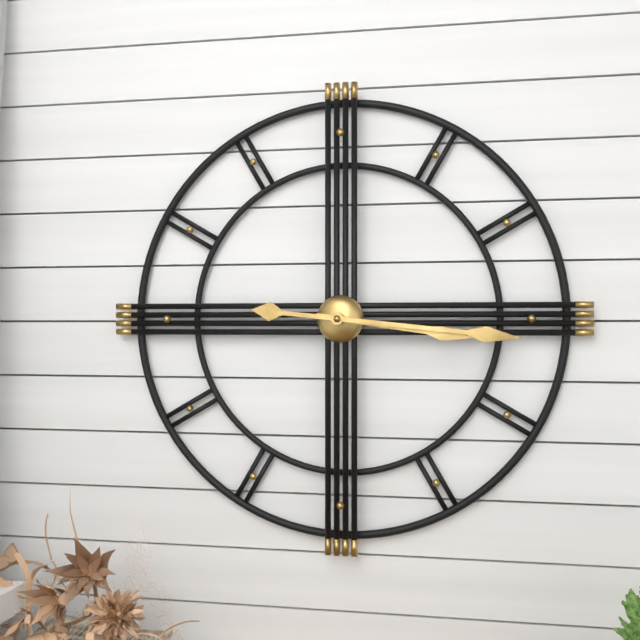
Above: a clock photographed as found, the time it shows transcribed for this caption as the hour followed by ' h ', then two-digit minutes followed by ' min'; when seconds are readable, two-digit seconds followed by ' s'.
3 h 16 min
